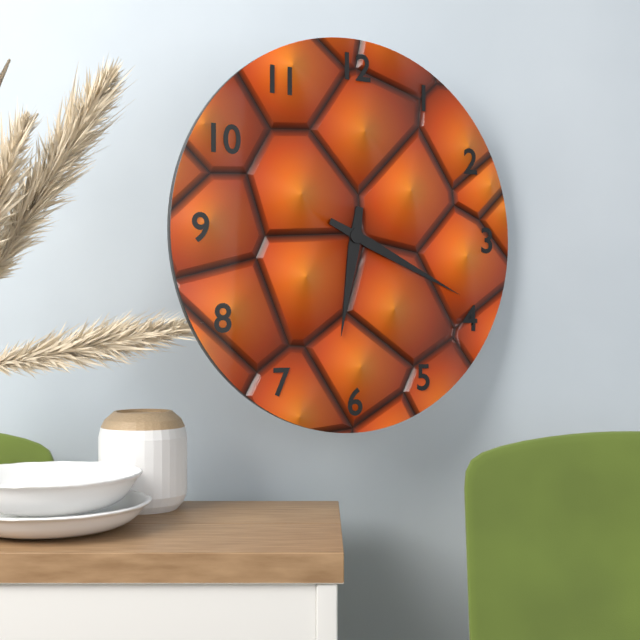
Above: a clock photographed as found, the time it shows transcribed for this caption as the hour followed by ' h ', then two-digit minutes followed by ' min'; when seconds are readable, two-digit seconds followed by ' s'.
6 h 19 min
